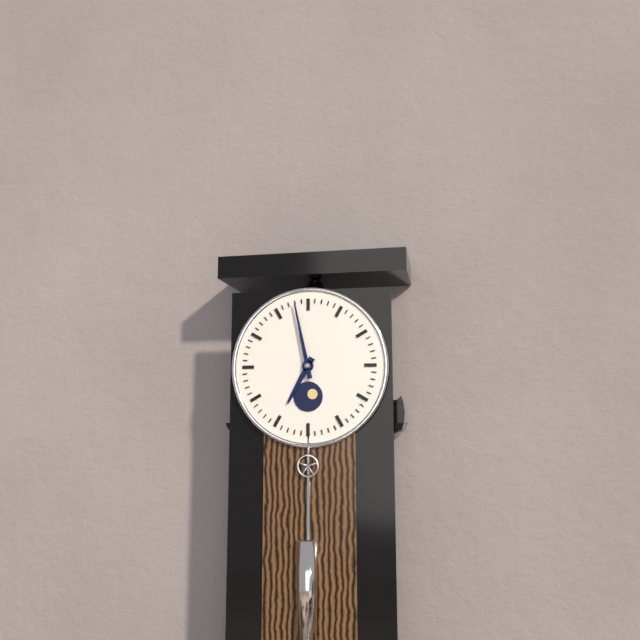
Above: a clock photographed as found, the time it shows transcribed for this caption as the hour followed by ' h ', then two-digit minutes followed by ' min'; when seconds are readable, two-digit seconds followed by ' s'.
6 h 58 min
